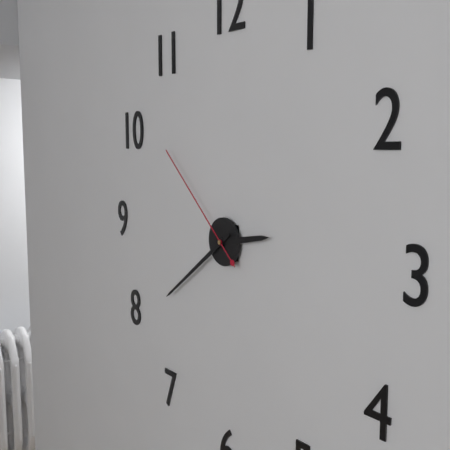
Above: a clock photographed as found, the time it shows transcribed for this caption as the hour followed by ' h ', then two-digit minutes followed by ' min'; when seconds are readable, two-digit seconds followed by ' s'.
2 h 39 min 52 s
